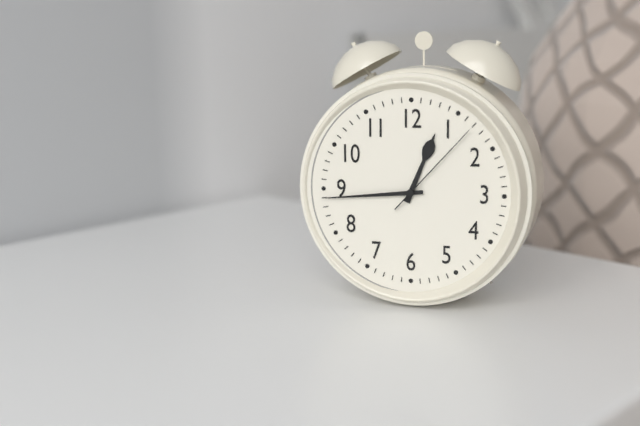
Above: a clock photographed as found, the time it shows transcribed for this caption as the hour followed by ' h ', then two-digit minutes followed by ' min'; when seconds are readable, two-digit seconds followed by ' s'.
12 h 44 min 07 s
